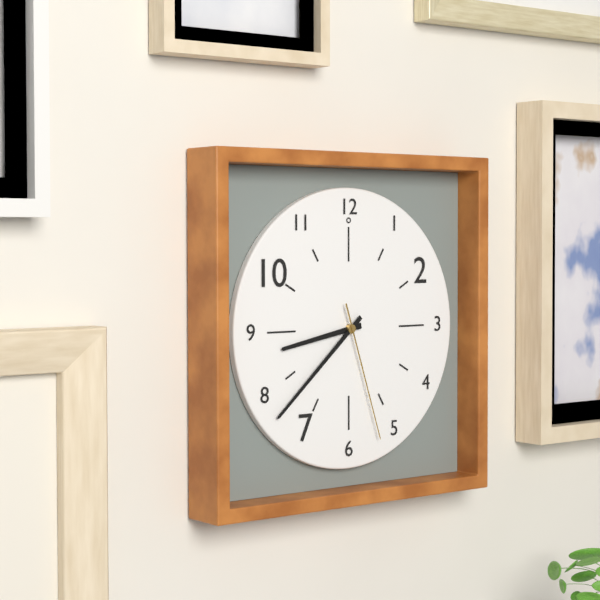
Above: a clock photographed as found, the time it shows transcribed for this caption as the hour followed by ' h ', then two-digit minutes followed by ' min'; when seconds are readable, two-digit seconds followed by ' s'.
8 h 38 min 27 s
